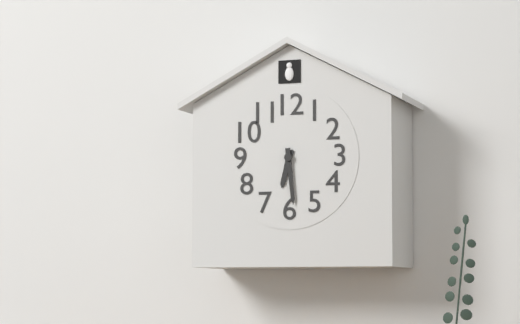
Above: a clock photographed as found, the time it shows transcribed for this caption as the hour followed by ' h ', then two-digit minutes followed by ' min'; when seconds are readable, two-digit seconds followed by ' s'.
6 h 29 min
